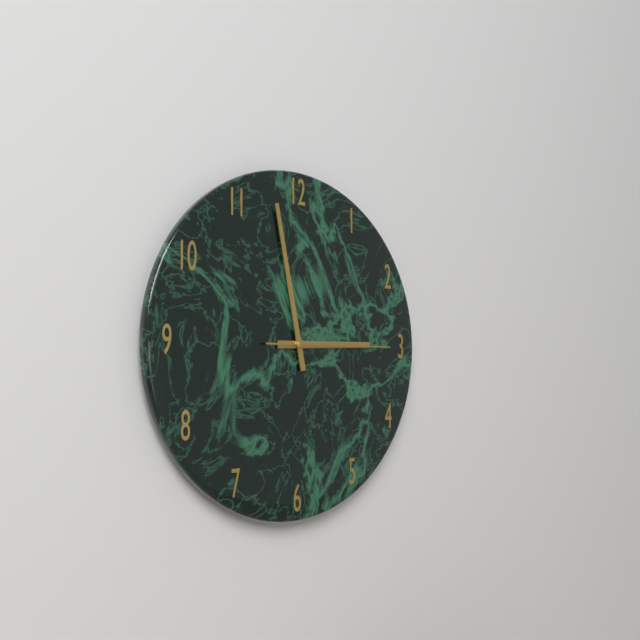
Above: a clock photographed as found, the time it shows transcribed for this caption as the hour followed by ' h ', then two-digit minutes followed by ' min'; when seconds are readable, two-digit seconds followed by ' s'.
2 h 58 min 15 s
